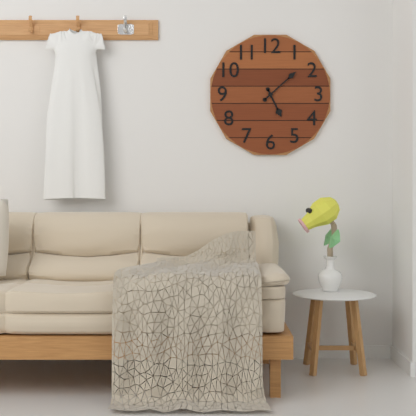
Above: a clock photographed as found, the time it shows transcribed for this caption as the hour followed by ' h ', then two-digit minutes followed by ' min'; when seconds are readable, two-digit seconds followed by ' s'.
5 h 08 min
